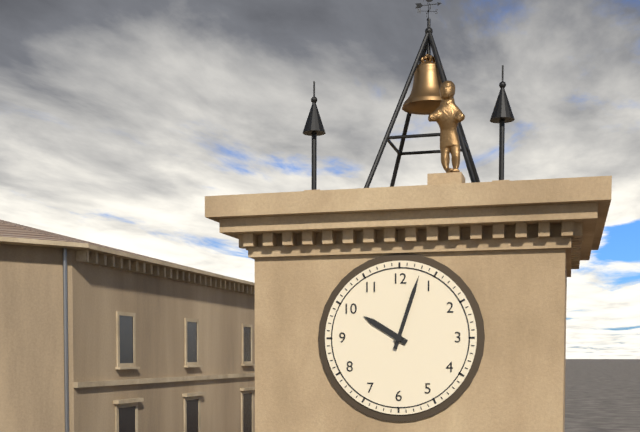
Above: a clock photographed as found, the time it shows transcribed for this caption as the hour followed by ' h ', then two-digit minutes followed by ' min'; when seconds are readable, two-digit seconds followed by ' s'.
10 h 03 min
